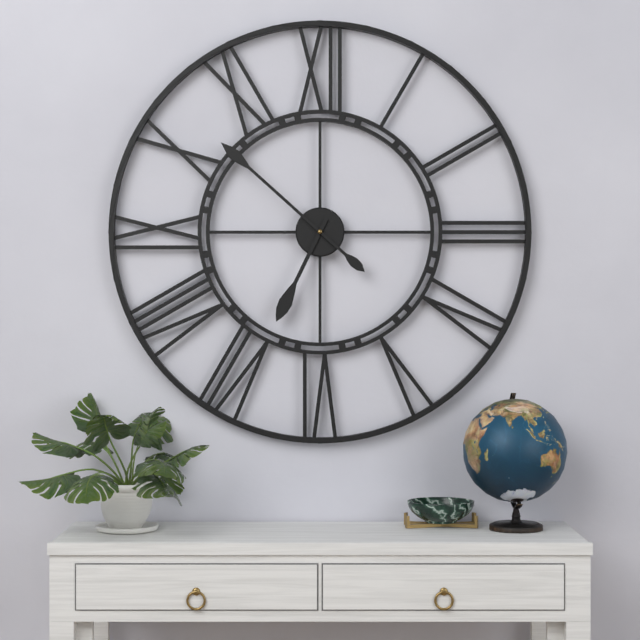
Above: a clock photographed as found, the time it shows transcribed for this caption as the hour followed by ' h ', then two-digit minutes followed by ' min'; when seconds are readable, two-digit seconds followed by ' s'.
6 h 52 min
